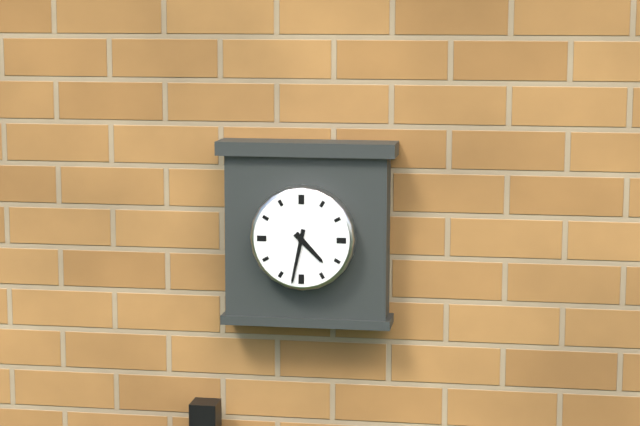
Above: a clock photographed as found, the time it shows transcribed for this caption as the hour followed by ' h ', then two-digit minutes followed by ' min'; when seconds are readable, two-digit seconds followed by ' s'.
4 h 32 min
